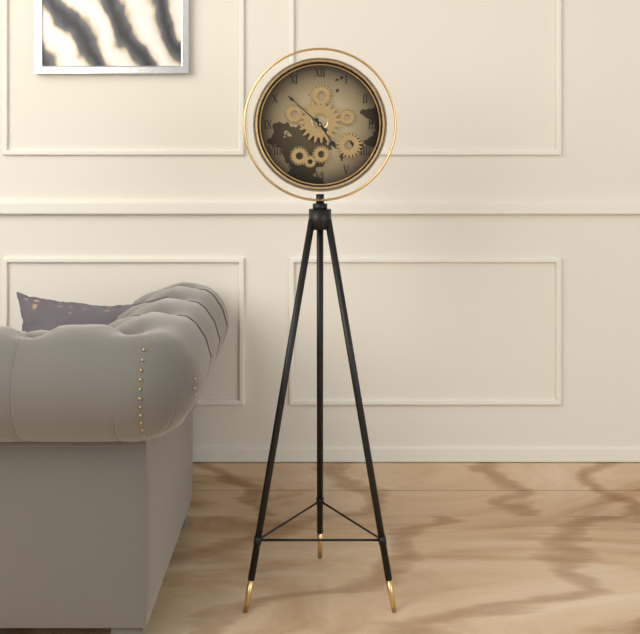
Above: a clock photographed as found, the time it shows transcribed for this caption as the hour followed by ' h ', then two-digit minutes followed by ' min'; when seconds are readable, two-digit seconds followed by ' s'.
4 h 52 min
